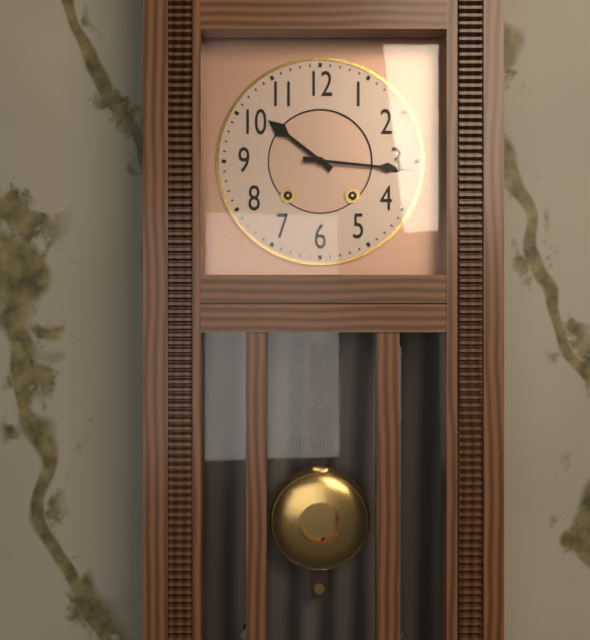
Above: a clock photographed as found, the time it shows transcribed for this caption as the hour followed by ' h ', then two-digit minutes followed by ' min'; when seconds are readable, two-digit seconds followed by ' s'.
10 h 16 min
